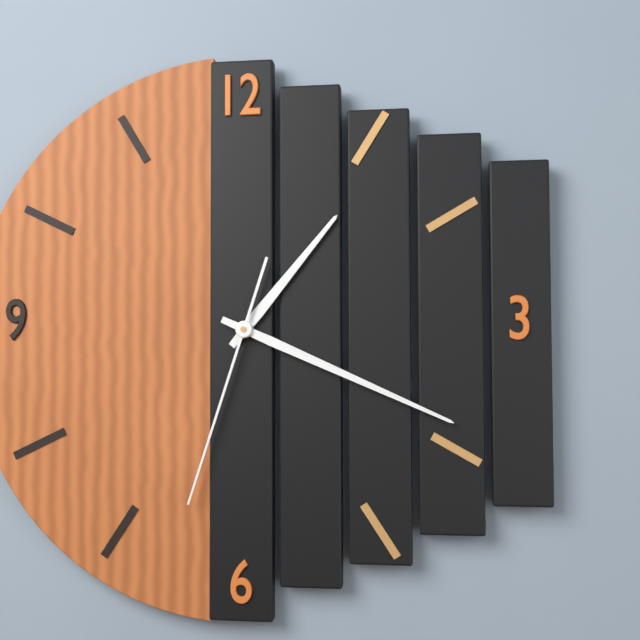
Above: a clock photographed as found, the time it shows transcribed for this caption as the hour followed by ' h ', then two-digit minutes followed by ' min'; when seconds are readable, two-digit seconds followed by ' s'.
1 h 19 min 33 s
